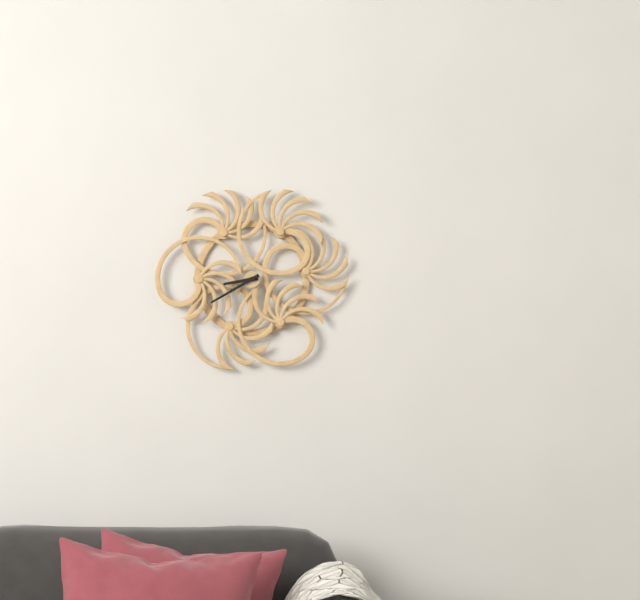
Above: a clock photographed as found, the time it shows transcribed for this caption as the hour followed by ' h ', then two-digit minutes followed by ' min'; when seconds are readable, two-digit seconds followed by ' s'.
8 h 40 min
